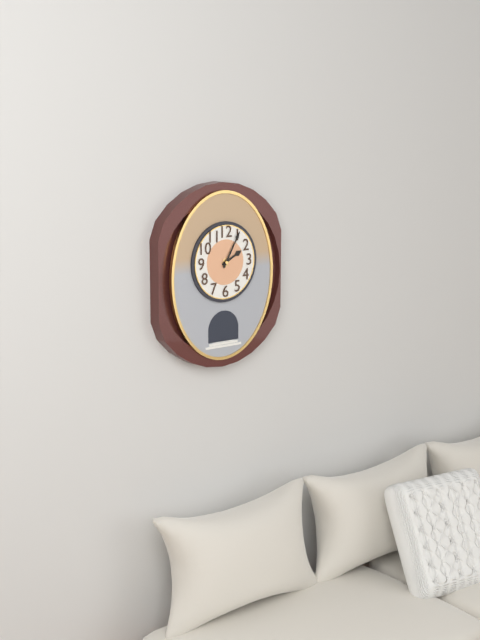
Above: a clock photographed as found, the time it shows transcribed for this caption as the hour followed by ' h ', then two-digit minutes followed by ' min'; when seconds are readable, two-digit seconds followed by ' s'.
2 h 05 min
